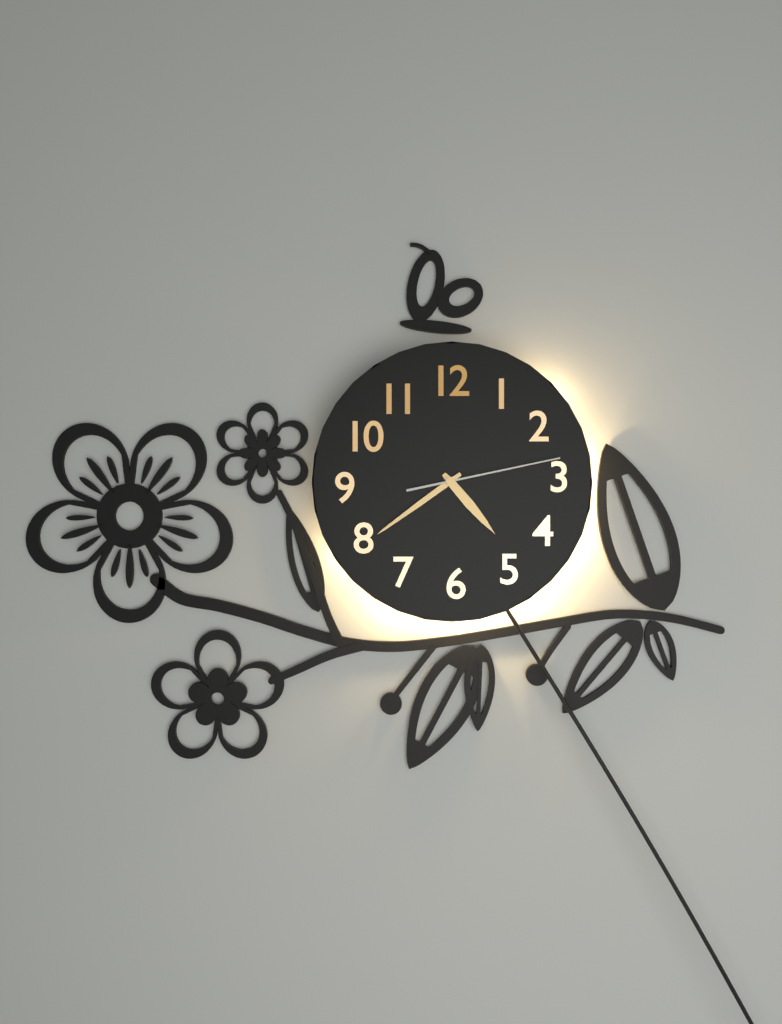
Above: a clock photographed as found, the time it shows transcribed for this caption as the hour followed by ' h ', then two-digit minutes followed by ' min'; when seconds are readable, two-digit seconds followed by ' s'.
4 h 39 min 13 s
